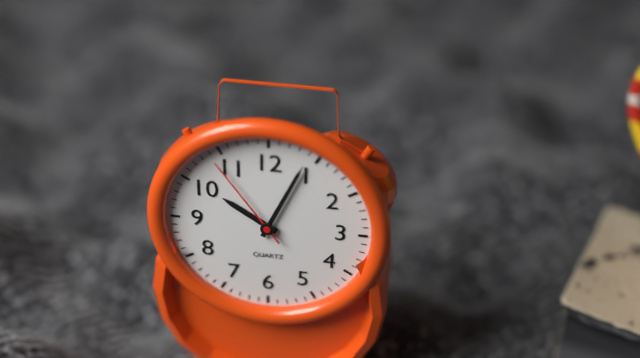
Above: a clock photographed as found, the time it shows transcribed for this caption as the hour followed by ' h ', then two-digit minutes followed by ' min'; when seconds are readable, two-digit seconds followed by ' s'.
10 h 04 min 54 s
